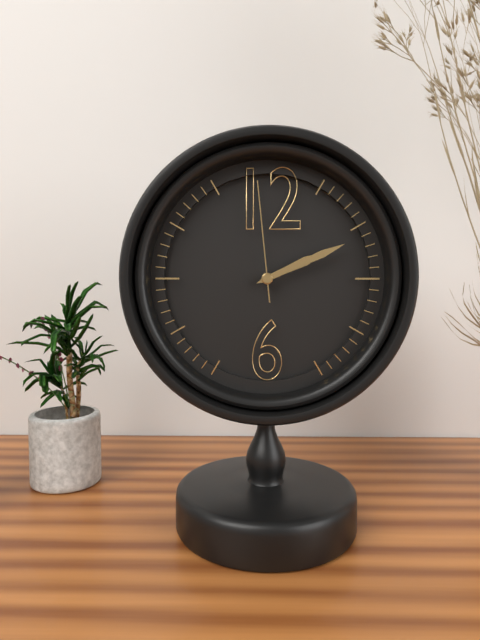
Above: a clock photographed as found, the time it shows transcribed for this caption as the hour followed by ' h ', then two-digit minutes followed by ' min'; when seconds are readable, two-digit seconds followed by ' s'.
2 h 11 min 59 s
